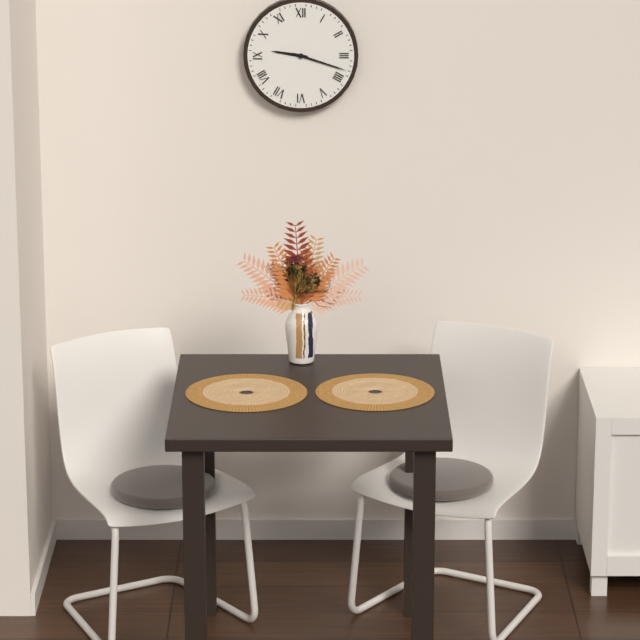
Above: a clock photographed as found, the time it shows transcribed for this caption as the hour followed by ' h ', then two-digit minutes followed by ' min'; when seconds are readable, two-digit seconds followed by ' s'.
9 h 18 min
